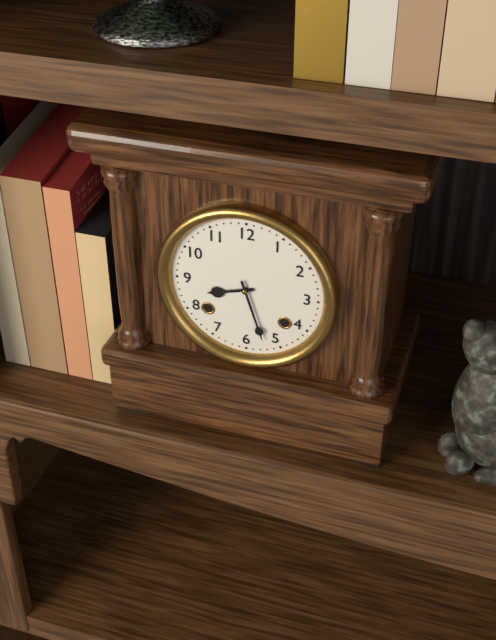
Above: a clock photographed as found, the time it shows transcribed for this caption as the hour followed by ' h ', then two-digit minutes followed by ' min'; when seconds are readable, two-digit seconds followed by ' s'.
8 h 27 min
